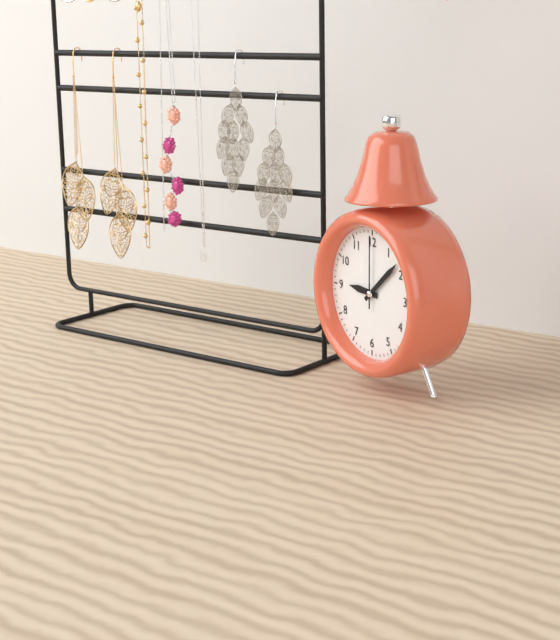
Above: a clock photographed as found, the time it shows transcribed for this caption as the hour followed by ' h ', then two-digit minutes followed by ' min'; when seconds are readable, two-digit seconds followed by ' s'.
9 h 08 min 00 s
